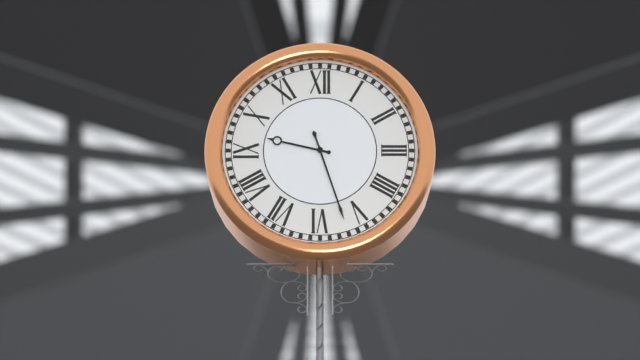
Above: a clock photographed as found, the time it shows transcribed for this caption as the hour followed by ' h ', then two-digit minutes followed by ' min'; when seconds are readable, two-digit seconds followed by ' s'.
9 h 27 min
